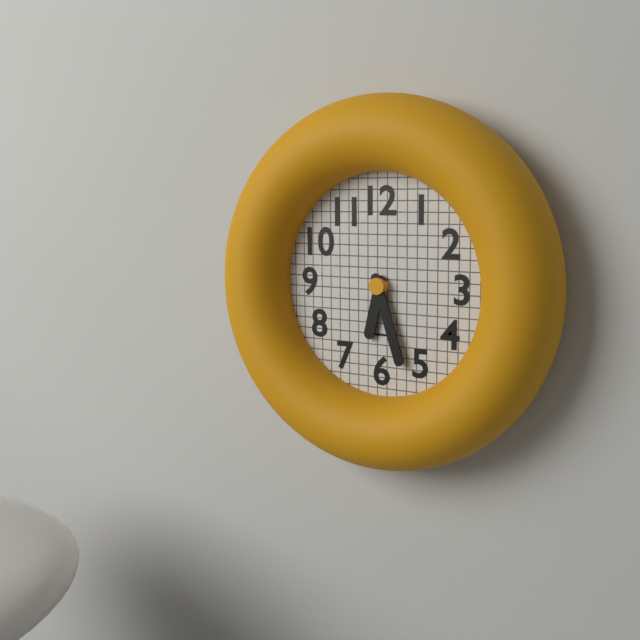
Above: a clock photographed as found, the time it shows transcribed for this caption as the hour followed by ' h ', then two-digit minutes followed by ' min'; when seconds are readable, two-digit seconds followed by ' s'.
6 h 27 min
